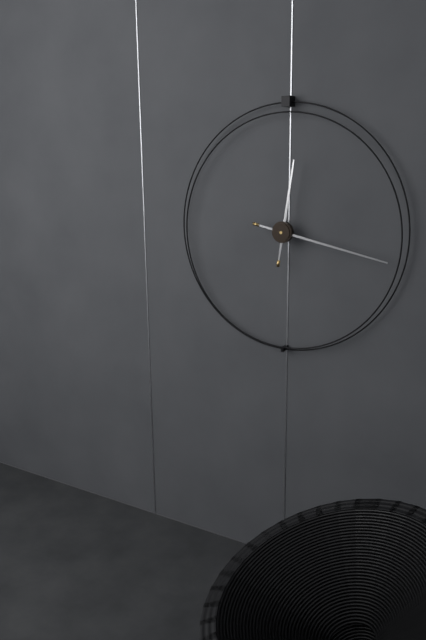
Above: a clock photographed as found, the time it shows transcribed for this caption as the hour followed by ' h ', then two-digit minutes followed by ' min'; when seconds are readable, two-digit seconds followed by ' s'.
12 h 17 min
